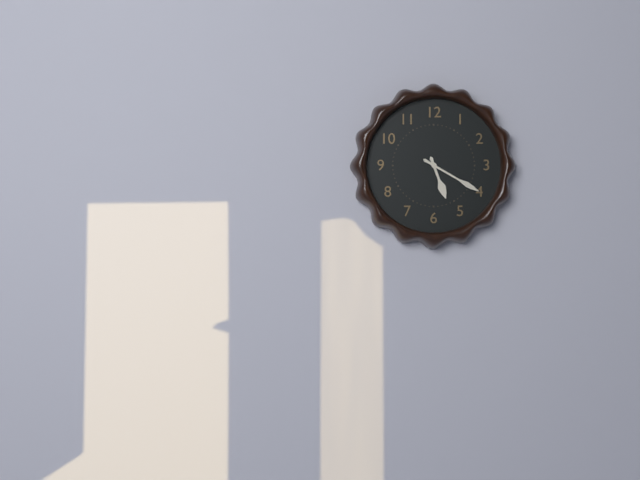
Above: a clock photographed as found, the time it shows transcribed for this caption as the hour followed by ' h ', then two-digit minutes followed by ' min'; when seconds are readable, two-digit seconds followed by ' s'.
5 h 20 min
